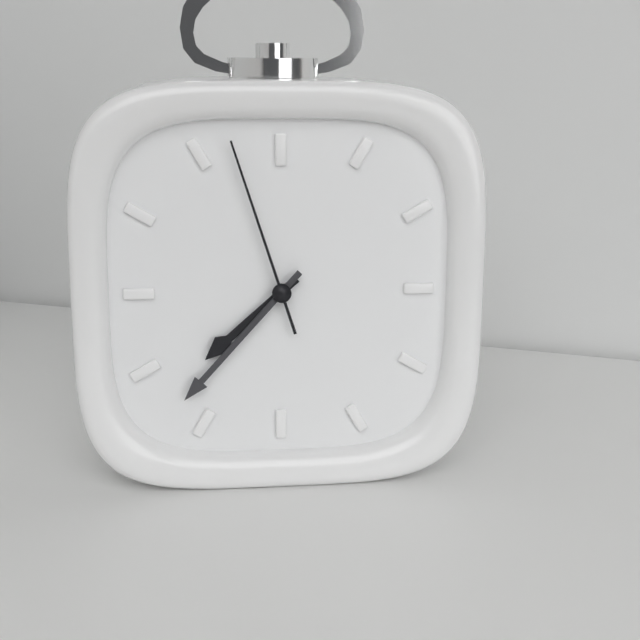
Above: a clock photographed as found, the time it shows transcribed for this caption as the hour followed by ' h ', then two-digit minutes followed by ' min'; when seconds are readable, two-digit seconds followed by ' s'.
7 h 37 min 57 s
